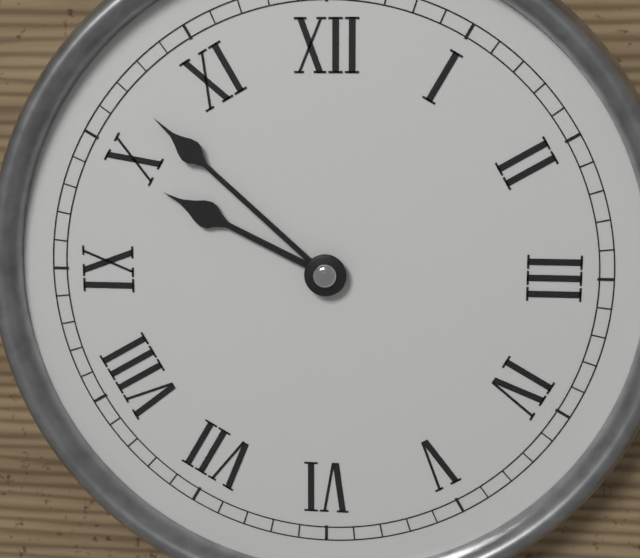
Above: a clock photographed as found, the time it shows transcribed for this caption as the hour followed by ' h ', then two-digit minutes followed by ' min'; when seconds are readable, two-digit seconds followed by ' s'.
9 h 52 min
